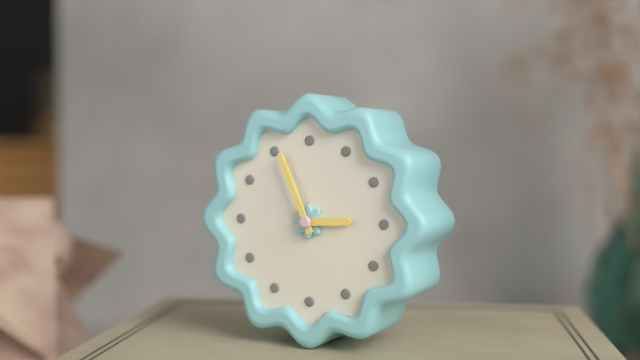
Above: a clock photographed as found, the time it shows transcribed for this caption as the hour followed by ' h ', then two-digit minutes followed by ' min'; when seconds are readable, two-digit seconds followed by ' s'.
2 h 56 min
